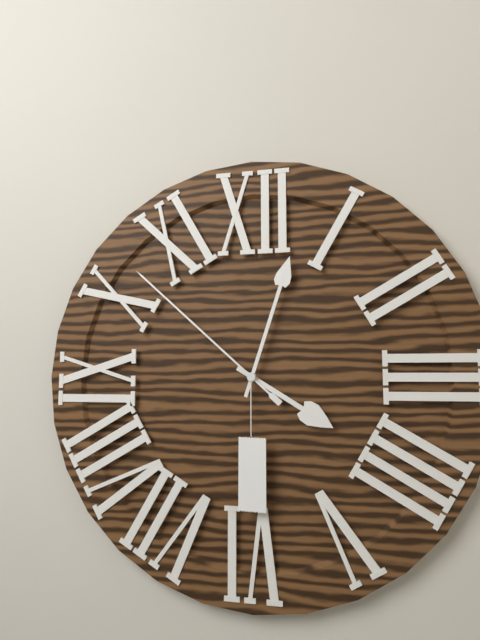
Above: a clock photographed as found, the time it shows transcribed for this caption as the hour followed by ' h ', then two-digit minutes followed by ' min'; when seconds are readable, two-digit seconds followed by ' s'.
4 h 03 min 52 s
